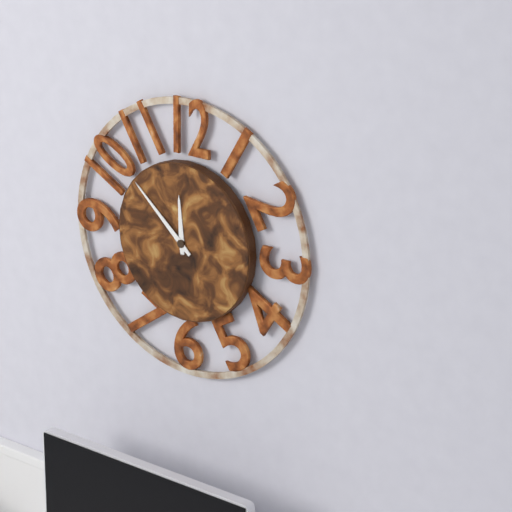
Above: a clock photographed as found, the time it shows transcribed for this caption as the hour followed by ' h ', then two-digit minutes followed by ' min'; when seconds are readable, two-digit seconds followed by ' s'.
11 h 52 min
